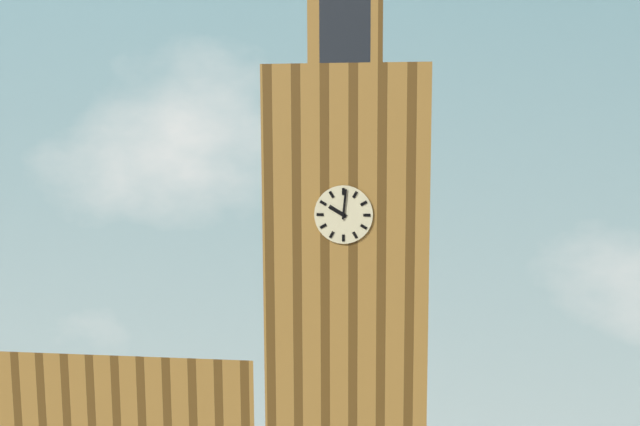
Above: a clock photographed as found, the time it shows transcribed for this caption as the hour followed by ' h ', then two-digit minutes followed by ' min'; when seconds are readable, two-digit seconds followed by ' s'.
10 h 01 min
